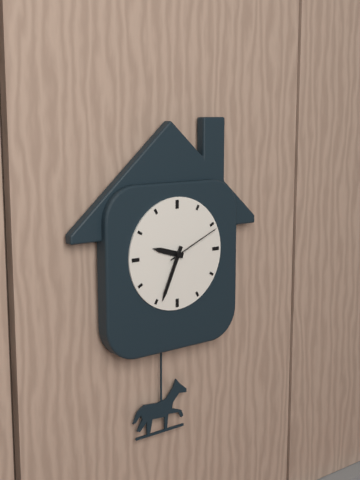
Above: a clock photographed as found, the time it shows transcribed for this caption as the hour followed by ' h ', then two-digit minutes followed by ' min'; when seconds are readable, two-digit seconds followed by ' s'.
9 h 34 min 11 s
